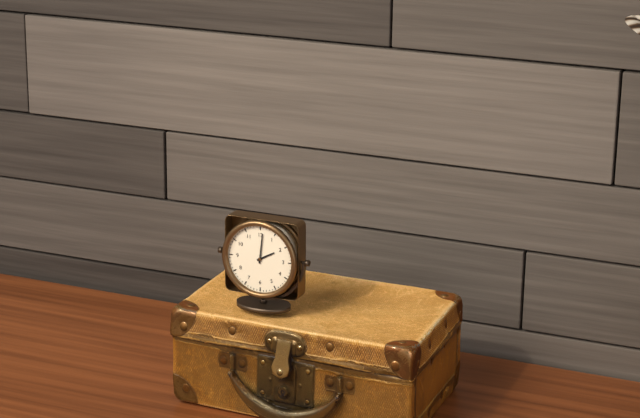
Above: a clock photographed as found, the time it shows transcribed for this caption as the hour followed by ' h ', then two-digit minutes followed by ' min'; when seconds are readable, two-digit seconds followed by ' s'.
2 h 01 min
